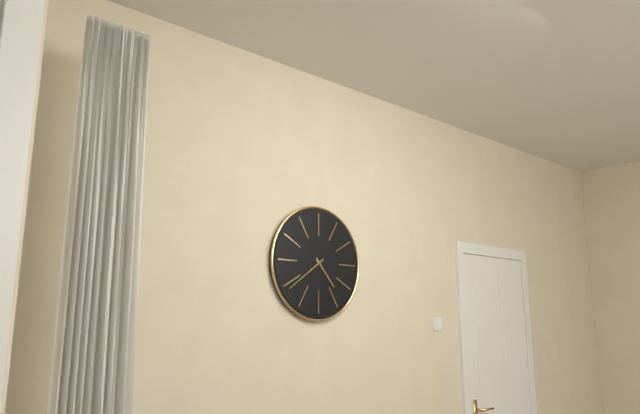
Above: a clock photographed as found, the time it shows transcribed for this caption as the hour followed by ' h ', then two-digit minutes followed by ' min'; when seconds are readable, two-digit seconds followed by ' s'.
4 h 39 min
